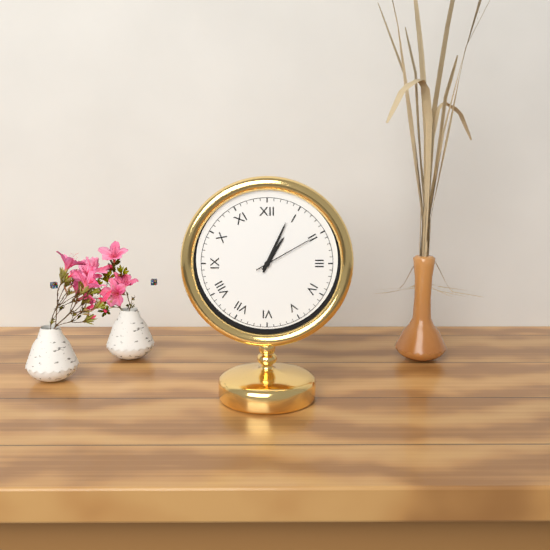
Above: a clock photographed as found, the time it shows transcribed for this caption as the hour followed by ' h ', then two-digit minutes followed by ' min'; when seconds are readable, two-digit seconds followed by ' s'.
1 h 04 min 10 s
